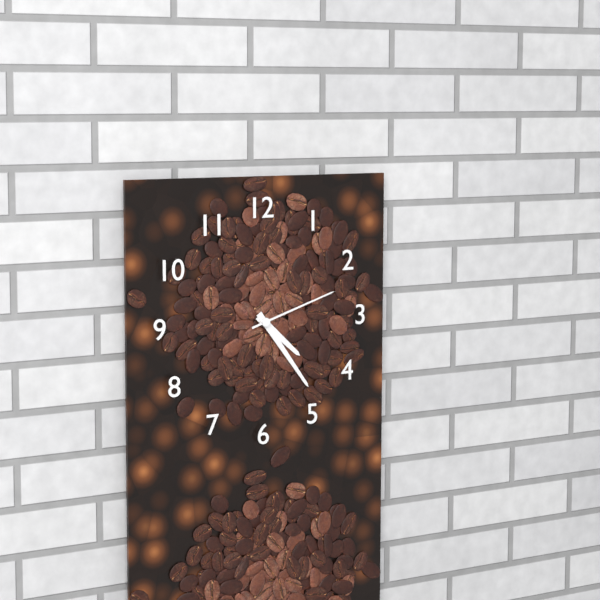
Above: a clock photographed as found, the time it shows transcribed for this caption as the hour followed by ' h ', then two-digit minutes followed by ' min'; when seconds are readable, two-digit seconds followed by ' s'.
4 h 24 min 12 s
